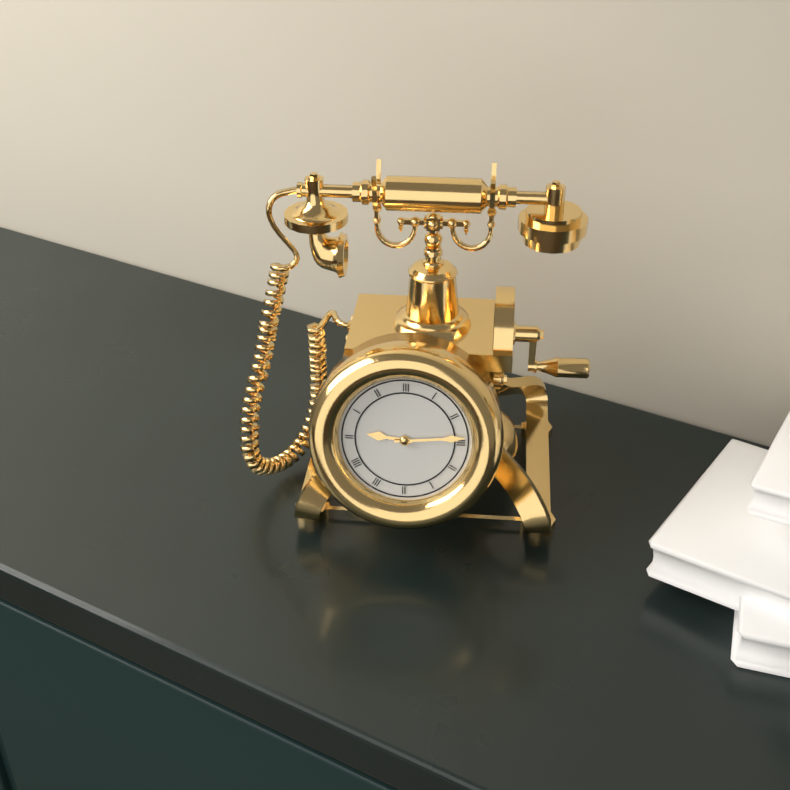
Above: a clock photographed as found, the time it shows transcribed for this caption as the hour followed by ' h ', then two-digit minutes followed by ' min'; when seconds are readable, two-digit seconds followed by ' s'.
9 h 14 min
